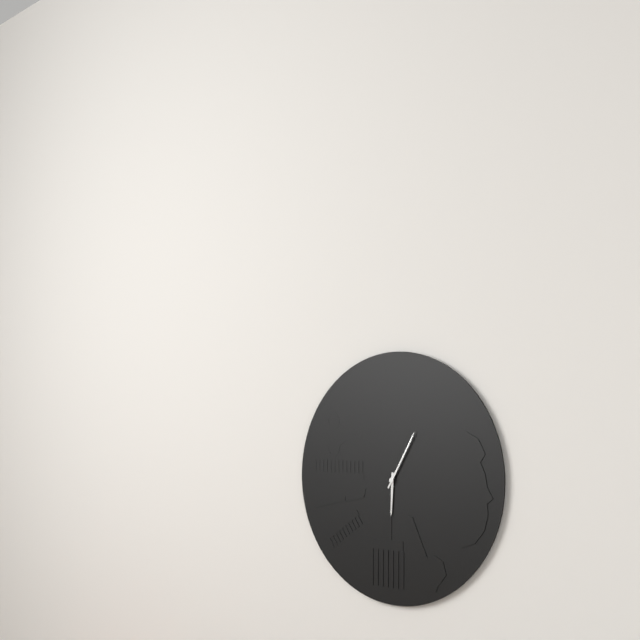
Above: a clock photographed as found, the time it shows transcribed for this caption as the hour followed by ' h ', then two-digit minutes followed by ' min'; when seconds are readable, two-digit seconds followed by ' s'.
6 h 05 min
